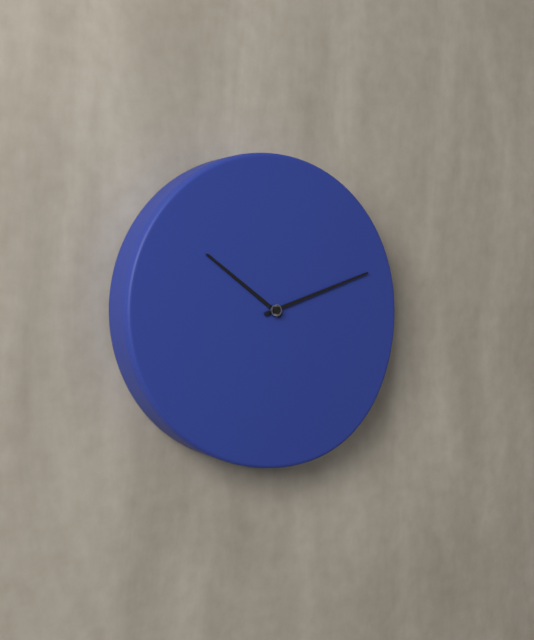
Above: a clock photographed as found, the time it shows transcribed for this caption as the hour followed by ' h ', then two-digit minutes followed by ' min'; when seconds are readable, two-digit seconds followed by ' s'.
10 h 12 min
